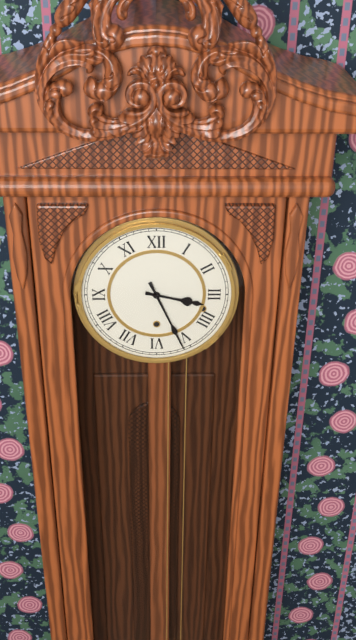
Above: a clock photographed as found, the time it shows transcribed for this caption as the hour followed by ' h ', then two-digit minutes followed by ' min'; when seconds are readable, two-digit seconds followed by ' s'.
3 h 26 min
